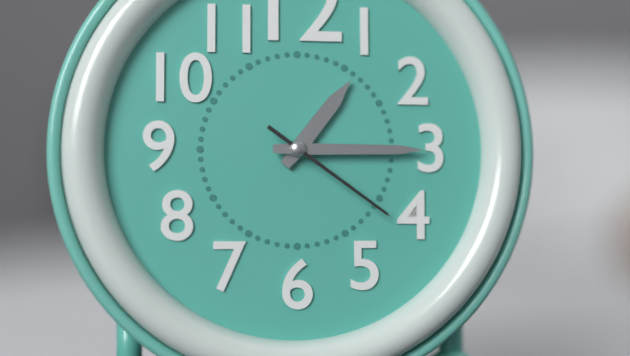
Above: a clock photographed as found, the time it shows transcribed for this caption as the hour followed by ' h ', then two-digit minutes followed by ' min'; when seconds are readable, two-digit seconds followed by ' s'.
1 h 15 min 21 s
